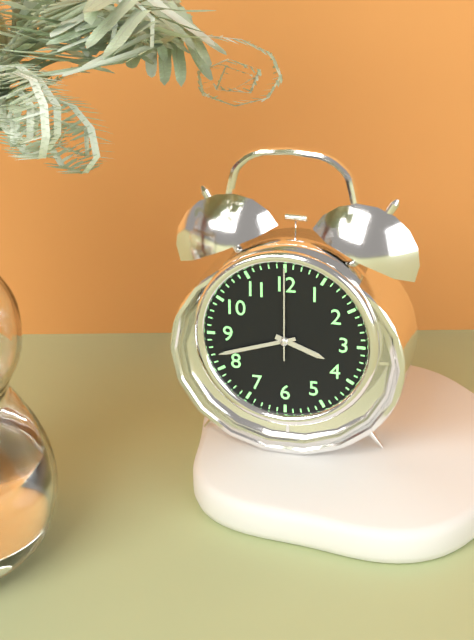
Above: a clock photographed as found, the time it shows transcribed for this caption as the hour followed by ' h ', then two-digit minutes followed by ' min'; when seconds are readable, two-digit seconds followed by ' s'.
3 h 42 min 00 s
